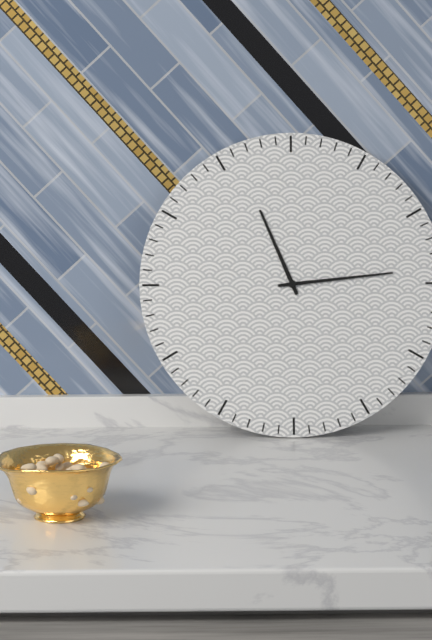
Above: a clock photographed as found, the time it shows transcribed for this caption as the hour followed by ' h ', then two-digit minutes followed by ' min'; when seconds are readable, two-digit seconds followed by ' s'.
11 h 14 min
